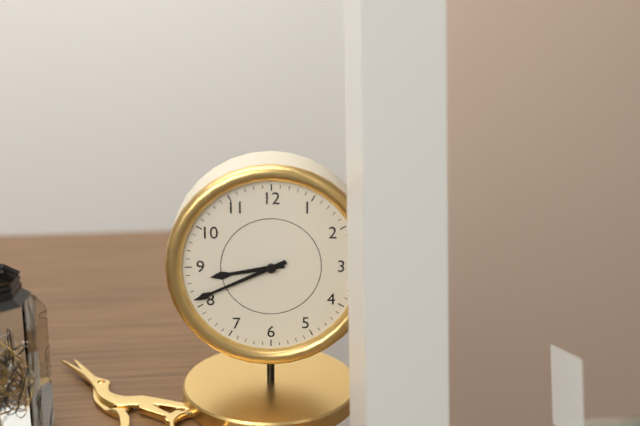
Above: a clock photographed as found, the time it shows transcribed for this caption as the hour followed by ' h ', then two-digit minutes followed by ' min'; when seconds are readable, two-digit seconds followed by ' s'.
8 h 41 min
